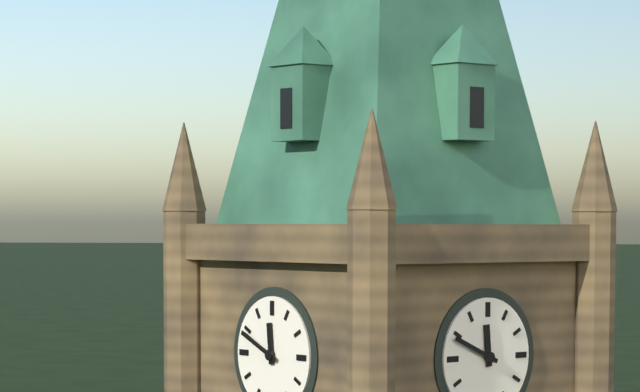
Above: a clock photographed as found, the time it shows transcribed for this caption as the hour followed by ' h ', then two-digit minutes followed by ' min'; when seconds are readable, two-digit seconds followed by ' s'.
11 h 49 min
